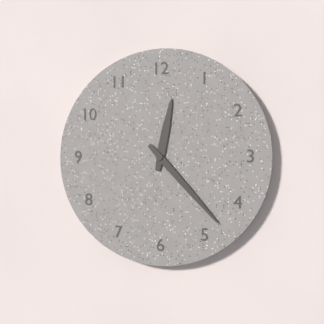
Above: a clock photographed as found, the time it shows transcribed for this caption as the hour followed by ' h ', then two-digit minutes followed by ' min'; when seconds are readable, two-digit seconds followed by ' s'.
12 h 23 min
